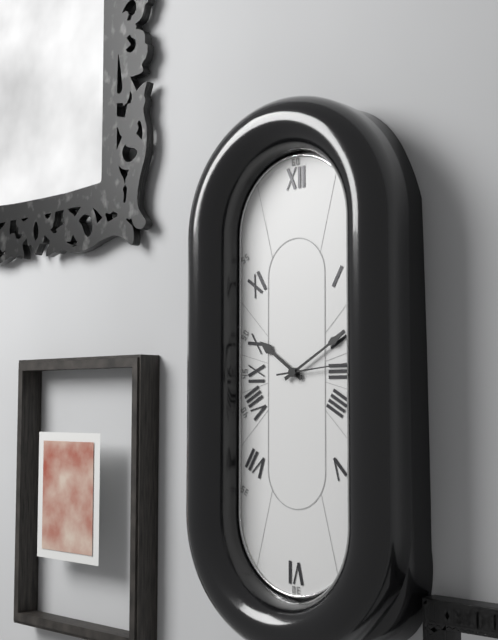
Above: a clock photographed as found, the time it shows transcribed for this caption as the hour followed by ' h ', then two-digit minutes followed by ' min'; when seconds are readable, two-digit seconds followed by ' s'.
10 h 10 min
